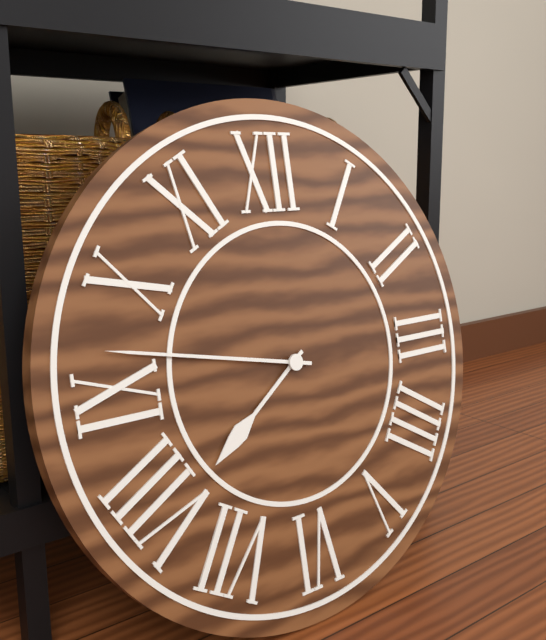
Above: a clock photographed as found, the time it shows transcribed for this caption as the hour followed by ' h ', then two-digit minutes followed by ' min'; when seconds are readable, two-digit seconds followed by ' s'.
7 h 47 min
